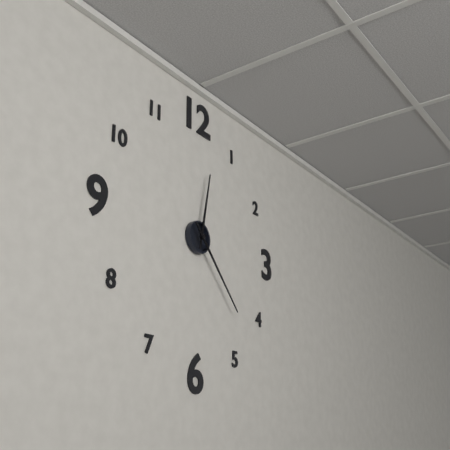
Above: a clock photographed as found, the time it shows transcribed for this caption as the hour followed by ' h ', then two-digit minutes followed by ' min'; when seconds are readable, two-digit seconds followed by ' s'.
12 h 23 min
